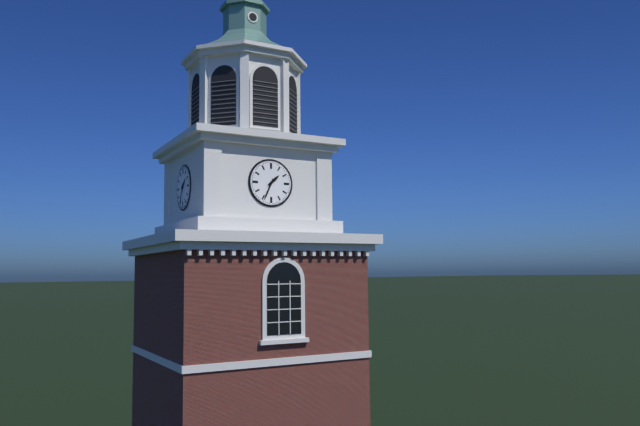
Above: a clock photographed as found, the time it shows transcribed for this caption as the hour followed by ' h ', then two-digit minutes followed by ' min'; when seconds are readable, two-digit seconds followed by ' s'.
1 h 34 min
